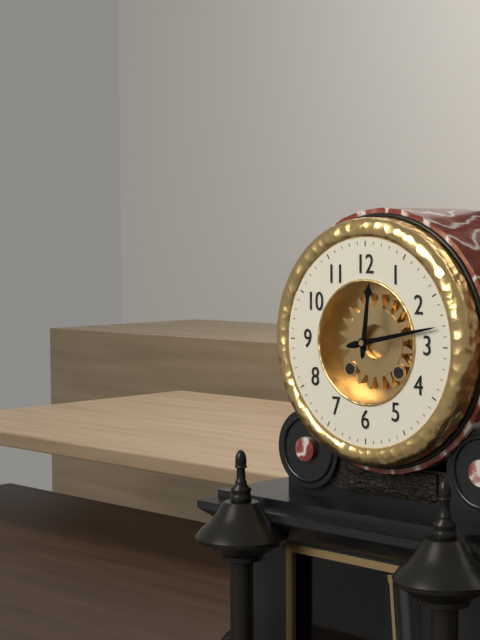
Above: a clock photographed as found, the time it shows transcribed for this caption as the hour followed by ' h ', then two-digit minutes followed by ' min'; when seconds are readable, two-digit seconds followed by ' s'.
12 h 13 min
